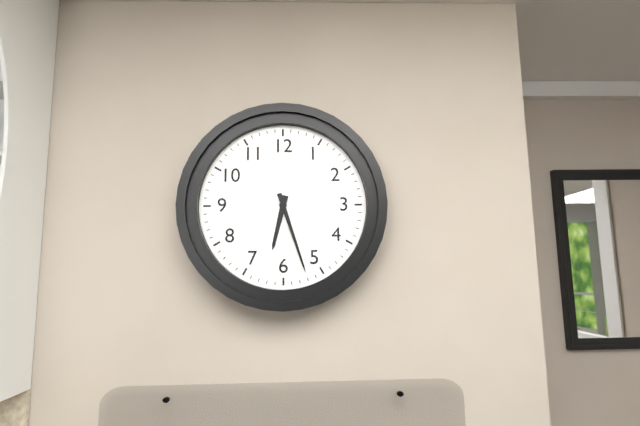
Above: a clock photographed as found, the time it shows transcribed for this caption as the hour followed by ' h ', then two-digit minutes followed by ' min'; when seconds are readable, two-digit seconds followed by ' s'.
6 h 27 min
